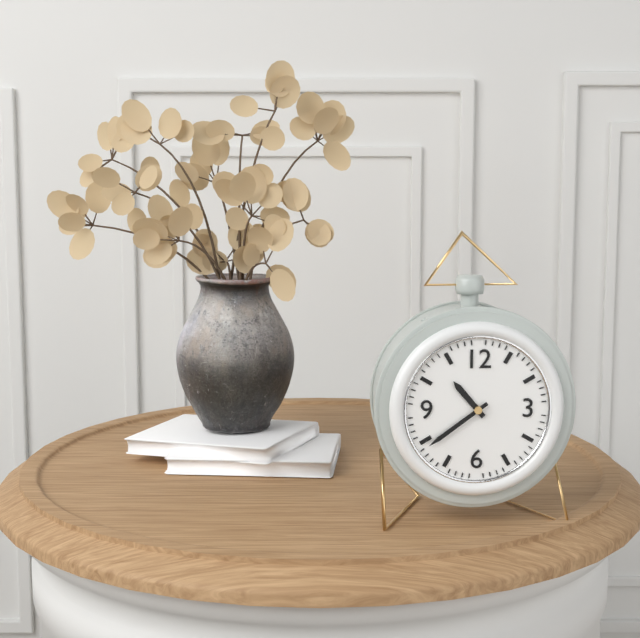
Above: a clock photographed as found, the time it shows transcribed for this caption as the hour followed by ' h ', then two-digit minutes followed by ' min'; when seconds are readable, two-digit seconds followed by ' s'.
10 h 39 min
